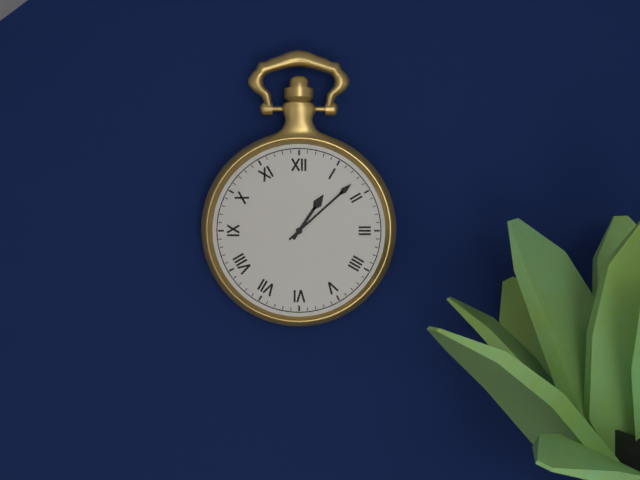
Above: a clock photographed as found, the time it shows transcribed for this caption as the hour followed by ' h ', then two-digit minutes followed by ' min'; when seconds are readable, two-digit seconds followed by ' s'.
1 h 08 min
